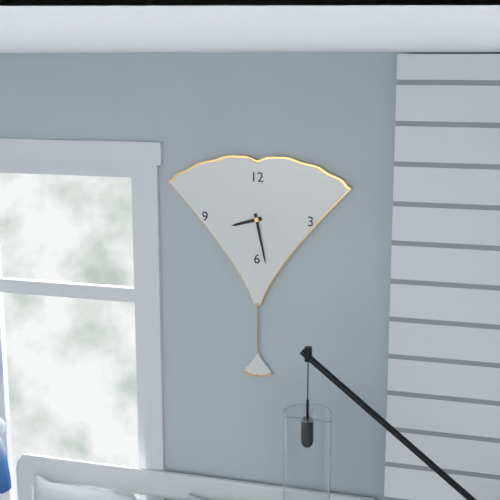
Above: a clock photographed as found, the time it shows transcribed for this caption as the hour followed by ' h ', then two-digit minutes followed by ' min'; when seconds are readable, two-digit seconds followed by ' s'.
8 h 28 min
